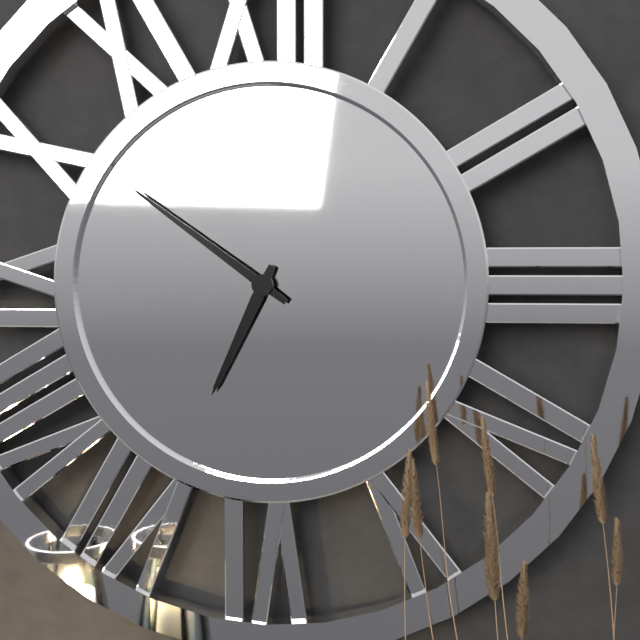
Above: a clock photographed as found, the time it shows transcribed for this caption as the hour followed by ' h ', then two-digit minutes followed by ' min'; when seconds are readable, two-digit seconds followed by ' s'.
6 h 51 min
